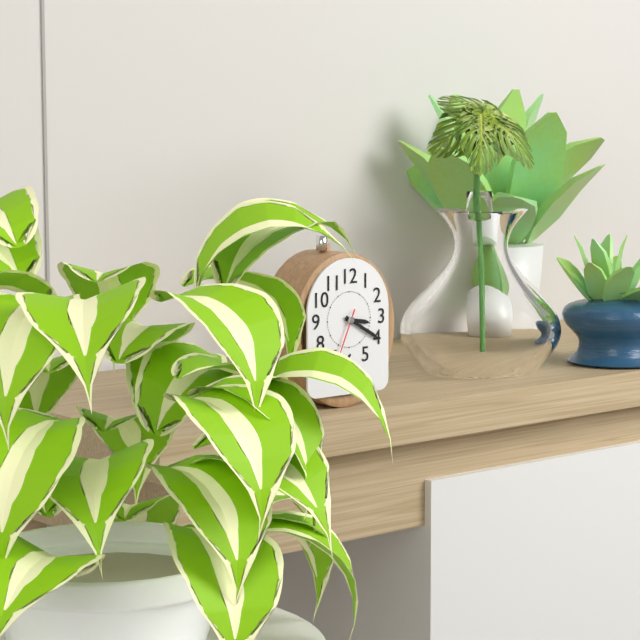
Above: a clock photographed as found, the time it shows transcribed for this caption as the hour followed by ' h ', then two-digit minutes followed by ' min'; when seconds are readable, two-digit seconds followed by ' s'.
3 h 20 min
